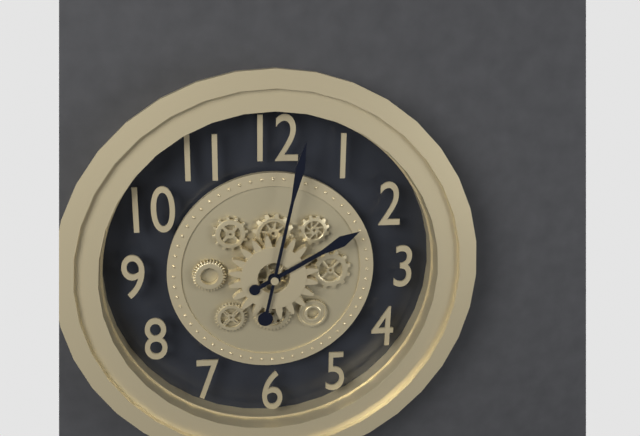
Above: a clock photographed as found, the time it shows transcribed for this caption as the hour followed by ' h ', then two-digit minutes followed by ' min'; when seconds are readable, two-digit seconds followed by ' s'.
2 h 02 min
